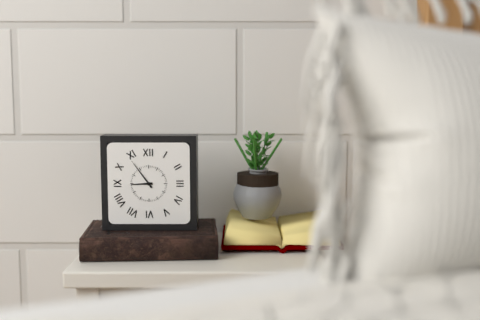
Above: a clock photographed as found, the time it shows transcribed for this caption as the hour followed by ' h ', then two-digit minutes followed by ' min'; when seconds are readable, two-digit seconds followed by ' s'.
8 h 54 min
